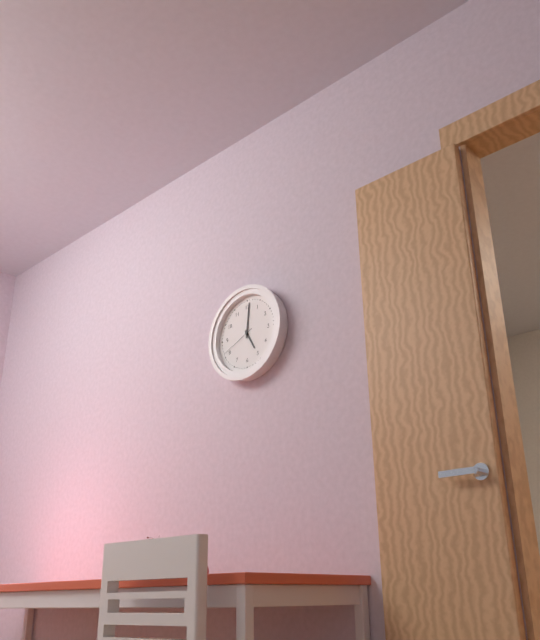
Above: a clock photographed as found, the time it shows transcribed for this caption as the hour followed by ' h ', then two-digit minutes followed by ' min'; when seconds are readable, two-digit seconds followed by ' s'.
5 h 01 min
